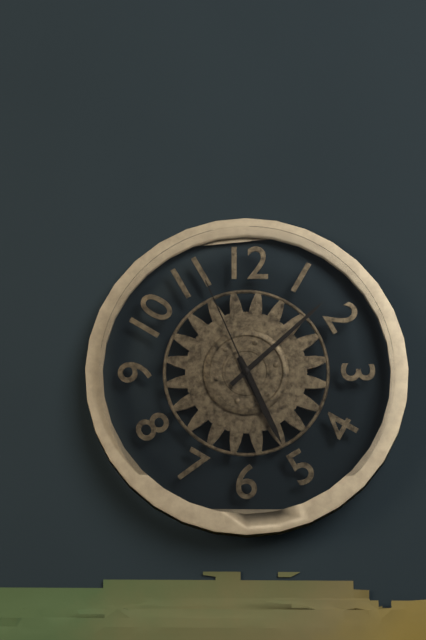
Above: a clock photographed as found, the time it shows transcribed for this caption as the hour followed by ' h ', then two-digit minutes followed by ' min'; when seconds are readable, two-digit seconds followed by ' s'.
5 h 08 min 56 s
